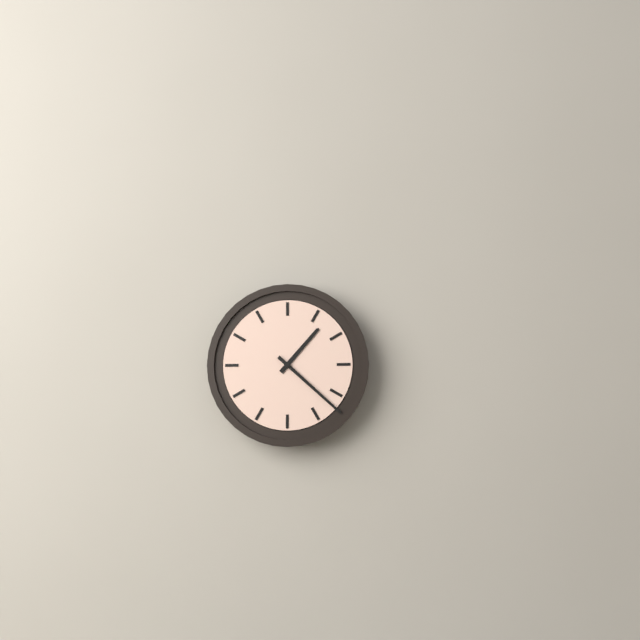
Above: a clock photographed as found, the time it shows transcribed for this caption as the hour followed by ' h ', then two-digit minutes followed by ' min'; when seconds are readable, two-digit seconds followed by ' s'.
1 h 22 min
